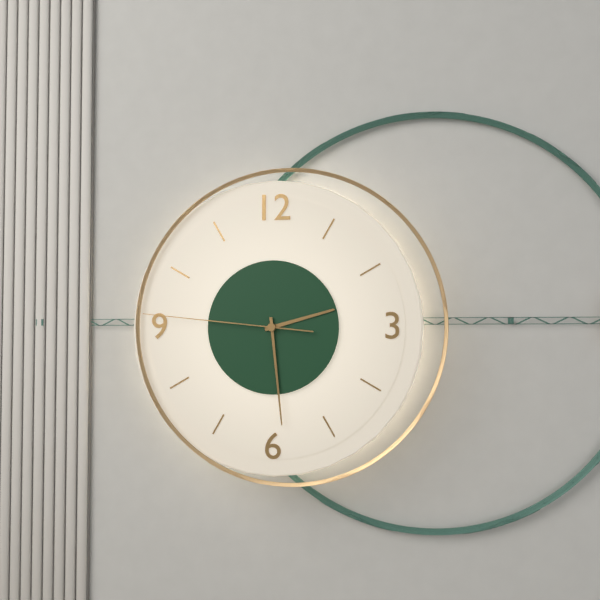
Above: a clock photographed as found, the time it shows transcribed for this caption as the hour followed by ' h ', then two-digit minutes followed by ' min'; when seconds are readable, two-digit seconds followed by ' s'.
2 h 29 min 46 s
